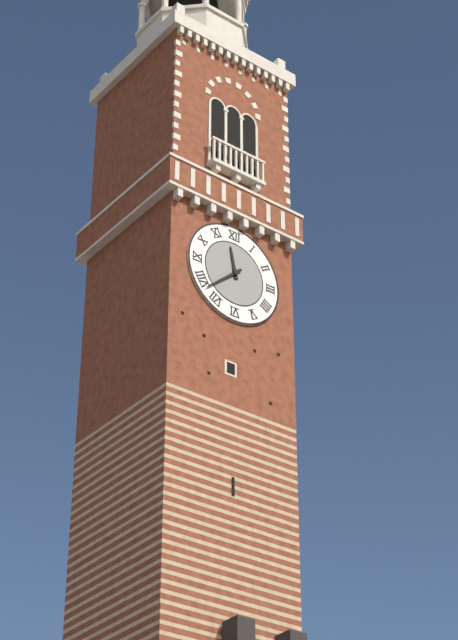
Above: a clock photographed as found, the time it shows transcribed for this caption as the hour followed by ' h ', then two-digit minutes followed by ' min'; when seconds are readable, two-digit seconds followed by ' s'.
11 h 38 min
